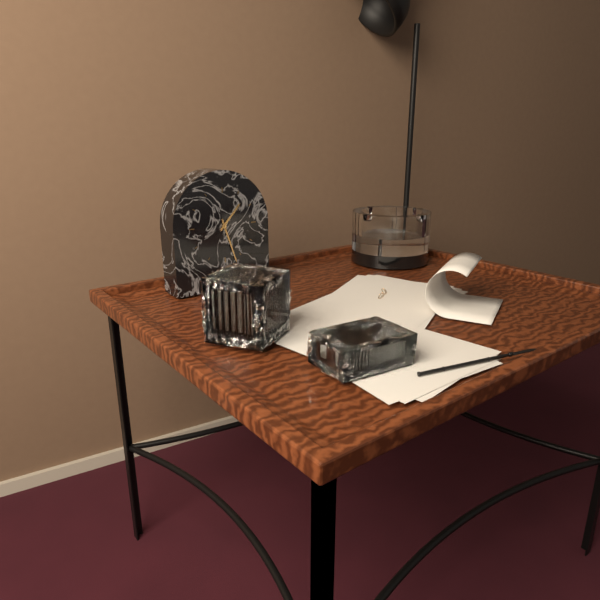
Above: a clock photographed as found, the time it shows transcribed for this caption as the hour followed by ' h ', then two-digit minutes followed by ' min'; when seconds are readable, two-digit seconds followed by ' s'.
1 h 27 min
